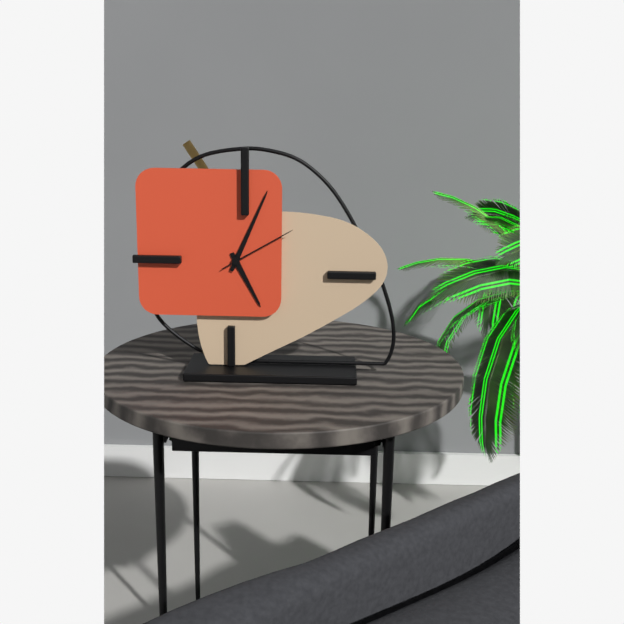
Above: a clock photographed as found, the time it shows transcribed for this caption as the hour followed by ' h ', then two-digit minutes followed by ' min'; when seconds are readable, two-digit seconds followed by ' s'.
5 h 04 min 10 s
